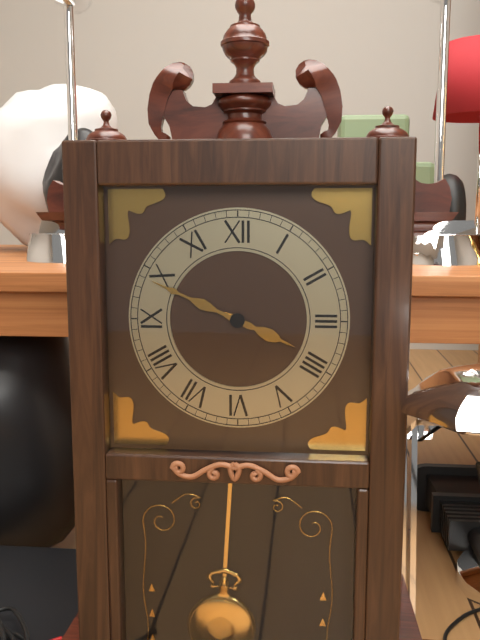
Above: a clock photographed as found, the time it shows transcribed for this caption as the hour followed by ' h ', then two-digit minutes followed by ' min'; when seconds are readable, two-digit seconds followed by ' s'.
3 h 49 min
